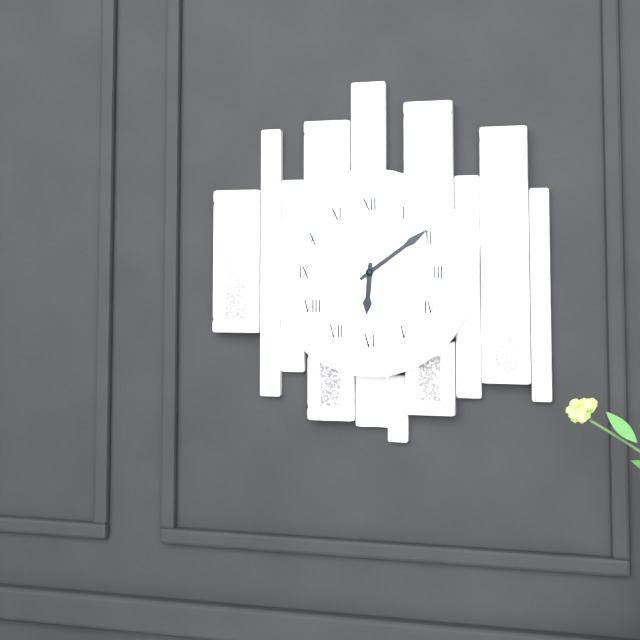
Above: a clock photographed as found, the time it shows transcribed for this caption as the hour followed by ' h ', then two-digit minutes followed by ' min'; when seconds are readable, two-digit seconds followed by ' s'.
6 h 09 min
